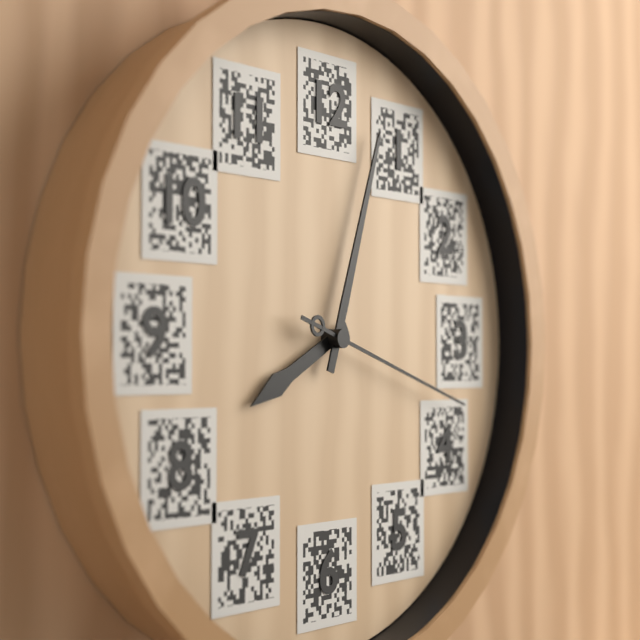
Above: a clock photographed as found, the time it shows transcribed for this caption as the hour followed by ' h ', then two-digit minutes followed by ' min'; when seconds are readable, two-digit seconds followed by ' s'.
8 h 03 min 18 s
